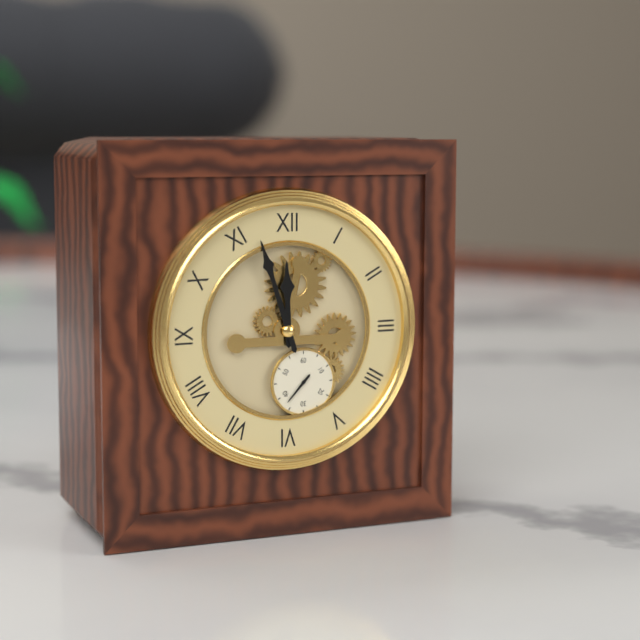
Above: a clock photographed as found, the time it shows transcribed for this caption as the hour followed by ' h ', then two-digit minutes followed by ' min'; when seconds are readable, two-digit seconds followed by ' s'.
11 h 57 min
